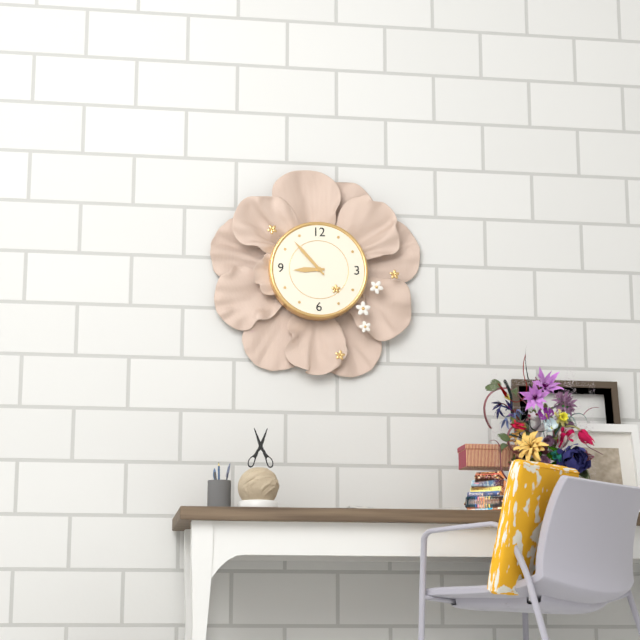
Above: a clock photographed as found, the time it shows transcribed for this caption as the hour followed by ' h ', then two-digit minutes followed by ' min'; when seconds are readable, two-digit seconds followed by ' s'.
8 h 53 min
